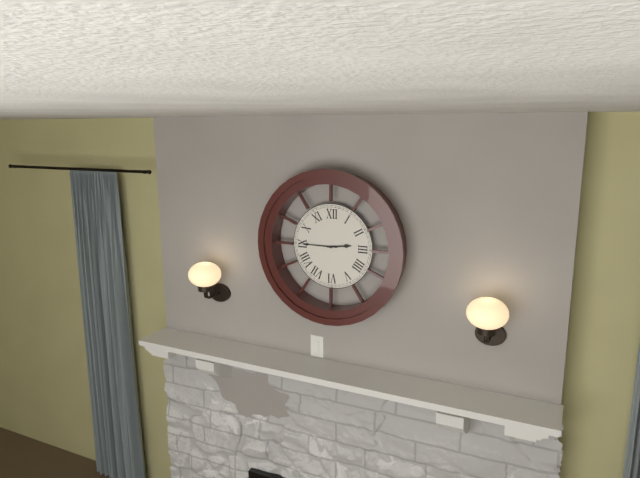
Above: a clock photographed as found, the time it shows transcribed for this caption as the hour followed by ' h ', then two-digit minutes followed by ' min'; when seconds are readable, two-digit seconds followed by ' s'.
2 h 45 min
